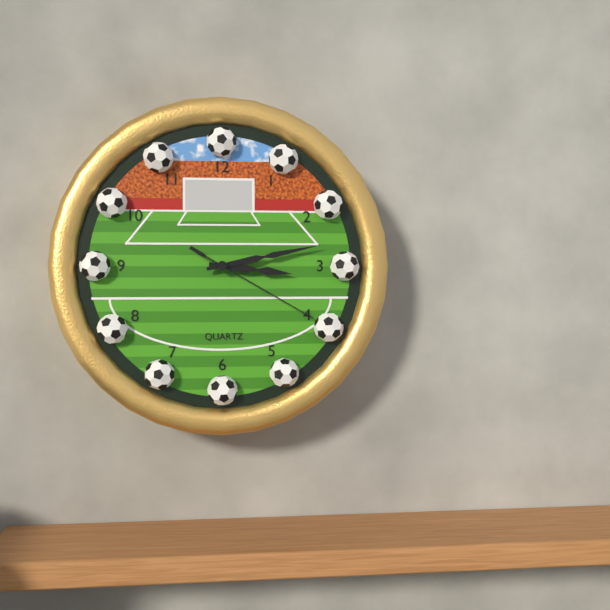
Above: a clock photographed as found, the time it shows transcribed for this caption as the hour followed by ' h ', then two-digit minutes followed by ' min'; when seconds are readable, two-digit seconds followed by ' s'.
3 h 13 min 20 s
